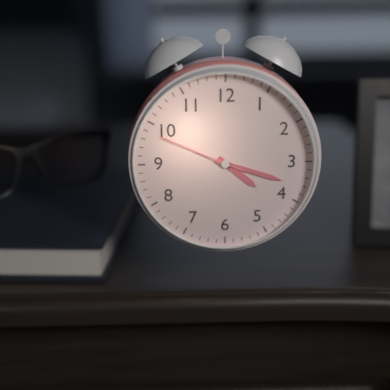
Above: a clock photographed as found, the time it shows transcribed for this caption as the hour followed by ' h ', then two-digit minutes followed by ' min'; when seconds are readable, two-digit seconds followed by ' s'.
4 h 18 min 49 s
